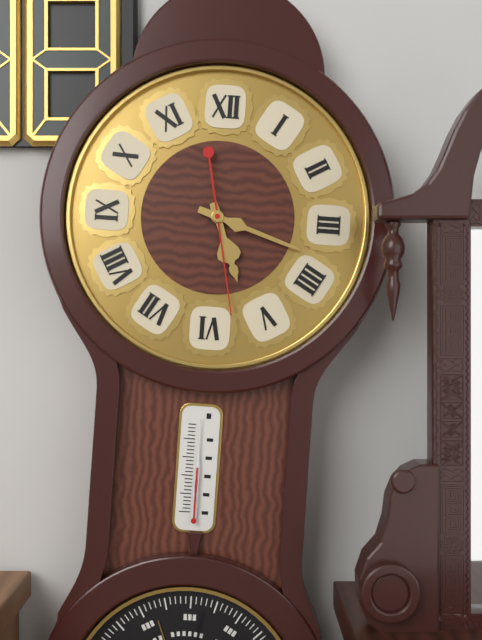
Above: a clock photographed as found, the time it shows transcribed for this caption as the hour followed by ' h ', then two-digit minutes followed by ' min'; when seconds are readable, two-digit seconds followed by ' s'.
5 h 18 min 28 s
